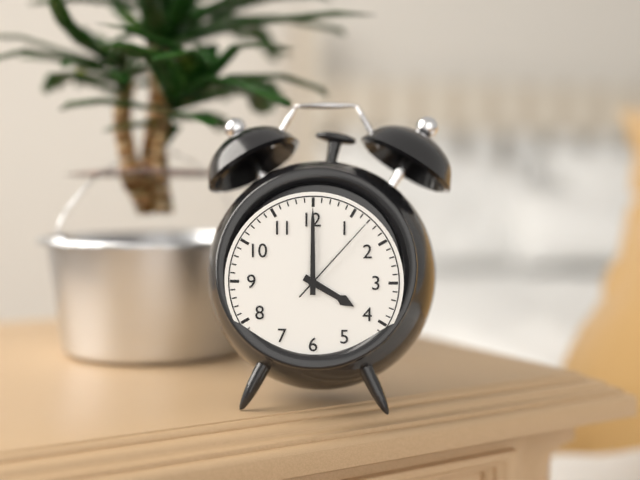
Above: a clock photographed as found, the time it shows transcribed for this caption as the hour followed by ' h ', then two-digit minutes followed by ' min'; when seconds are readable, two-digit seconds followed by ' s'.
4 h 00 min 07 s
